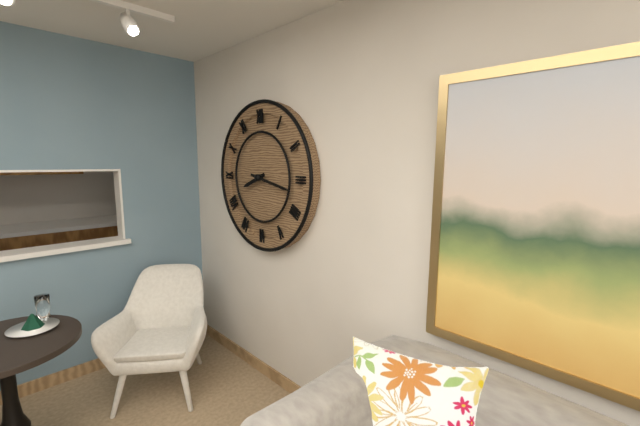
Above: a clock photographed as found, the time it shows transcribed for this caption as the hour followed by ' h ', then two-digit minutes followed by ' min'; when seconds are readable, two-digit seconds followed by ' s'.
8 h 17 min
